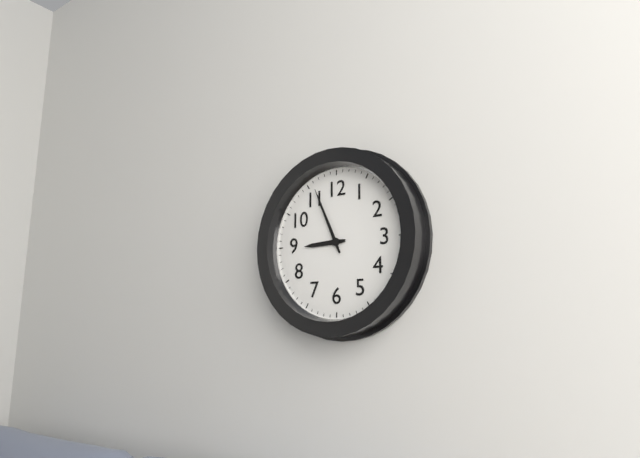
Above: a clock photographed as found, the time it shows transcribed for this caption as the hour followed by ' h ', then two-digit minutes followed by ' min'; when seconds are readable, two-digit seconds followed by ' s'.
8 h 56 min
